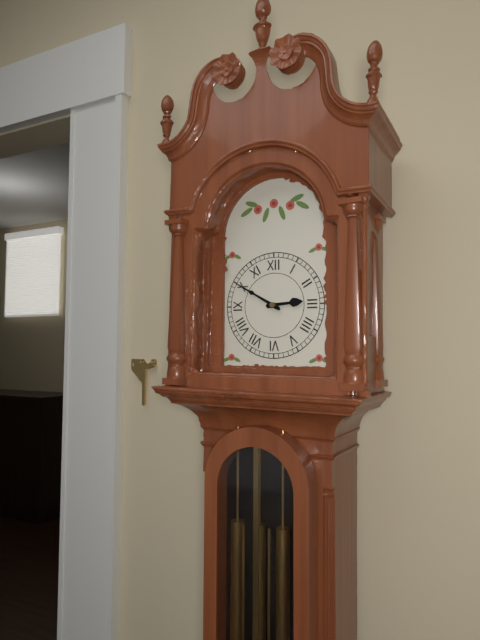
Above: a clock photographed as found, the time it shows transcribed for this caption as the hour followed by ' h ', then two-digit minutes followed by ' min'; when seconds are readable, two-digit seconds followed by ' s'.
2 h 50 min
